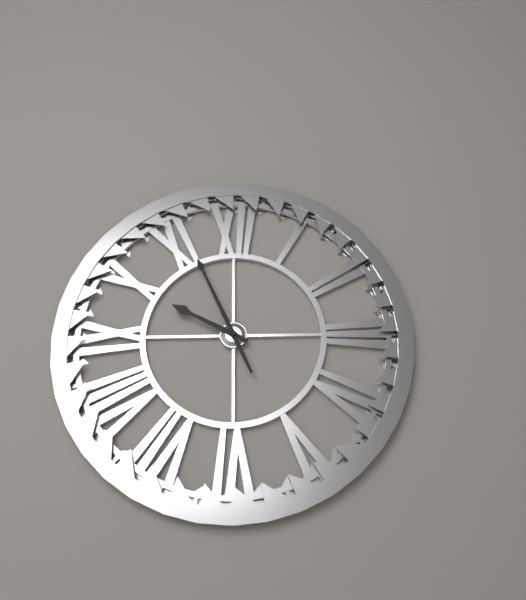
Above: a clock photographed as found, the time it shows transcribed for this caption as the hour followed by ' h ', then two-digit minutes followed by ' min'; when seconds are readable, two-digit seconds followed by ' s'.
9 h 56 min
